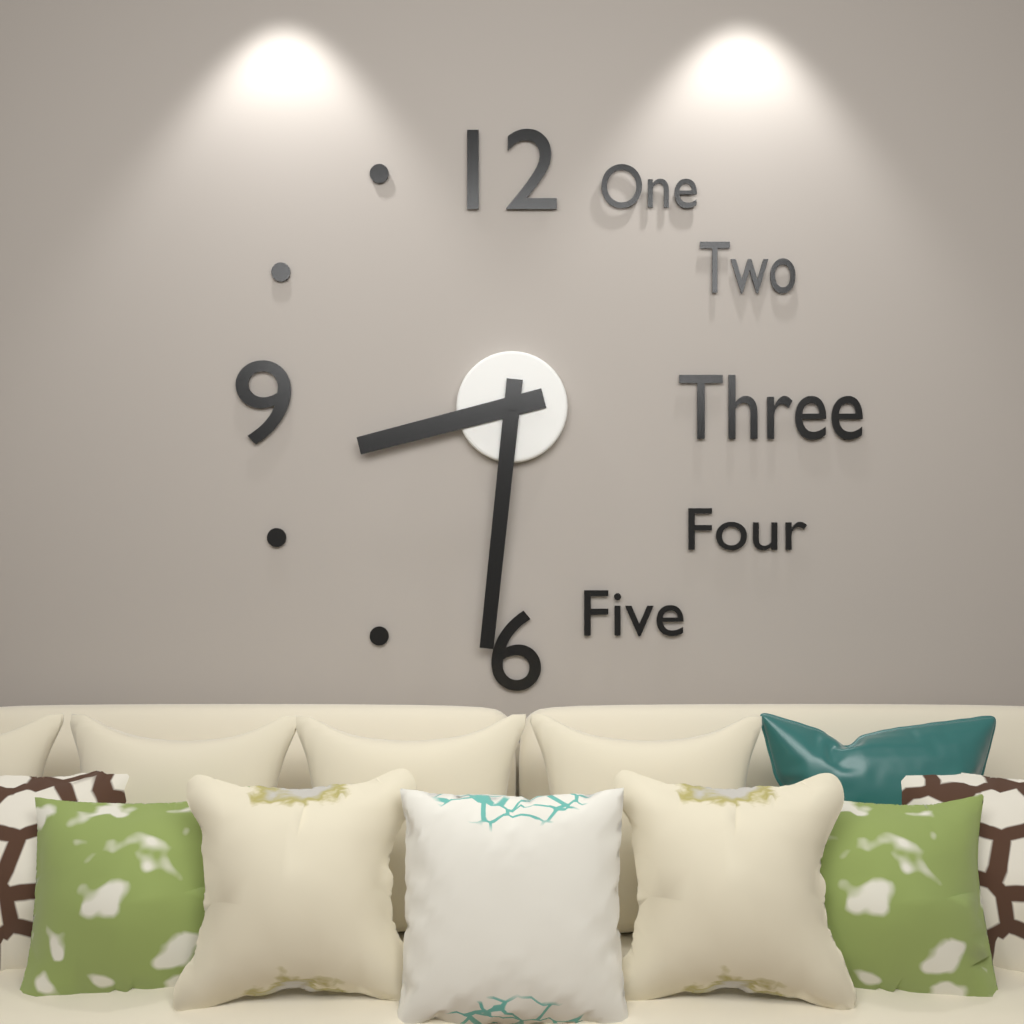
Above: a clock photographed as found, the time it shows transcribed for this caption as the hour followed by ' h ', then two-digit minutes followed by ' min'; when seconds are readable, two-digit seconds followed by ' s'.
8 h 31 min
